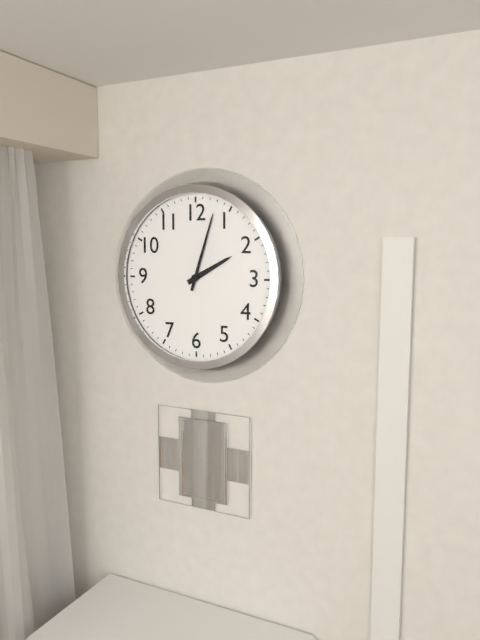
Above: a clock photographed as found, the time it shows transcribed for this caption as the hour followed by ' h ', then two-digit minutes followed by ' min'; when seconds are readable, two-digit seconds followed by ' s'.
2 h 03 min
